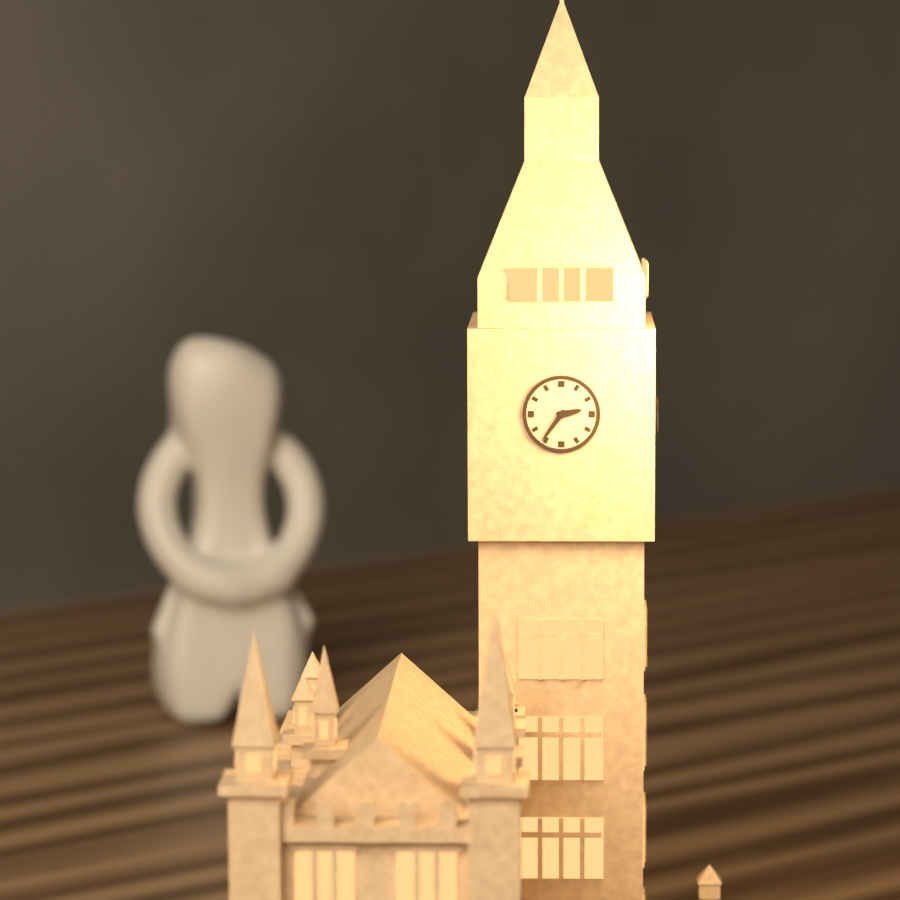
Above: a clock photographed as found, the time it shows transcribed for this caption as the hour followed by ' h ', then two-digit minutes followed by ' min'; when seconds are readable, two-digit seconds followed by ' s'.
2 h 36 min
